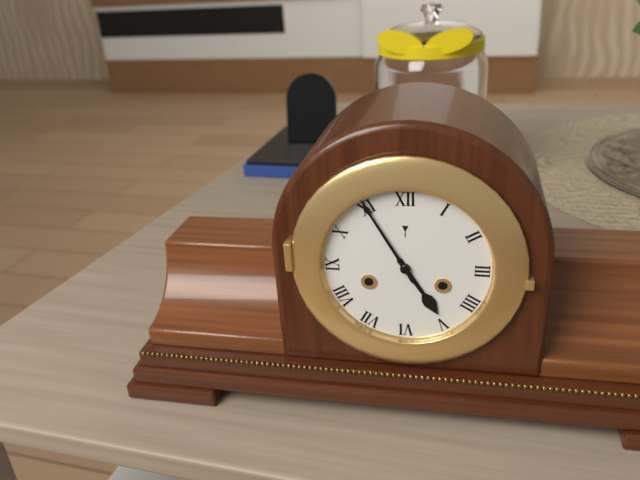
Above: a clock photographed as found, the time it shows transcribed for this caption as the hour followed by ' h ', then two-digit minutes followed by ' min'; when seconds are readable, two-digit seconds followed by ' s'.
4 h 55 min
